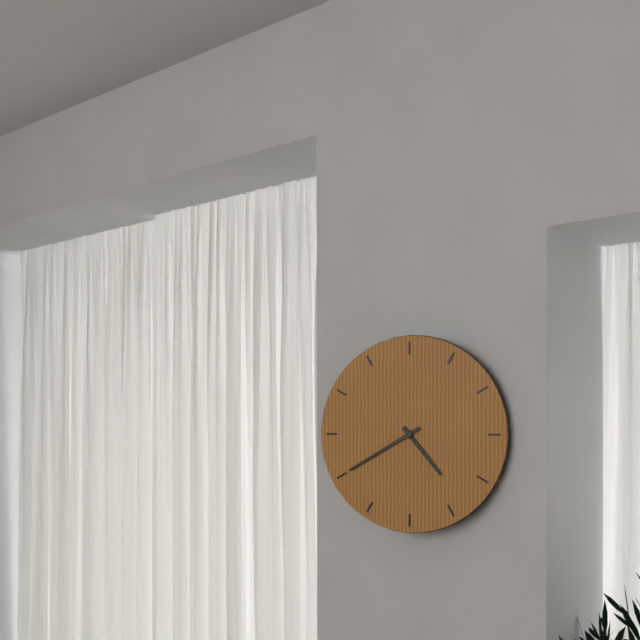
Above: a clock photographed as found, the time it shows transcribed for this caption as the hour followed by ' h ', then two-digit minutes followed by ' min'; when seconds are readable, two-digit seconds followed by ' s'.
4 h 40 min
